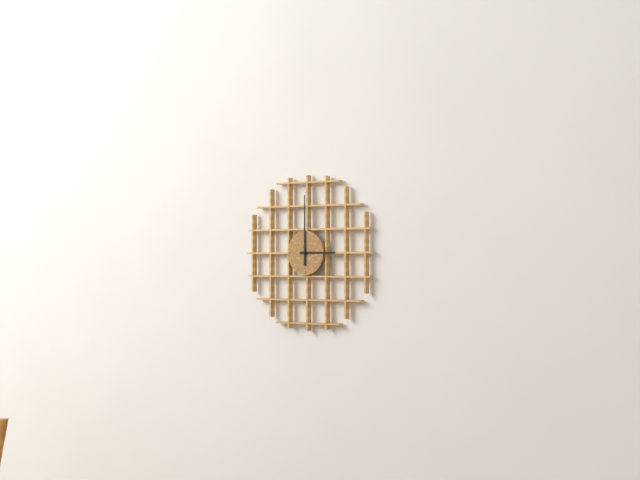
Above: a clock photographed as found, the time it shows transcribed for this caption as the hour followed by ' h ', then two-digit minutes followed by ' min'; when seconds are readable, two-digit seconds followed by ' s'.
3 h 00 min
